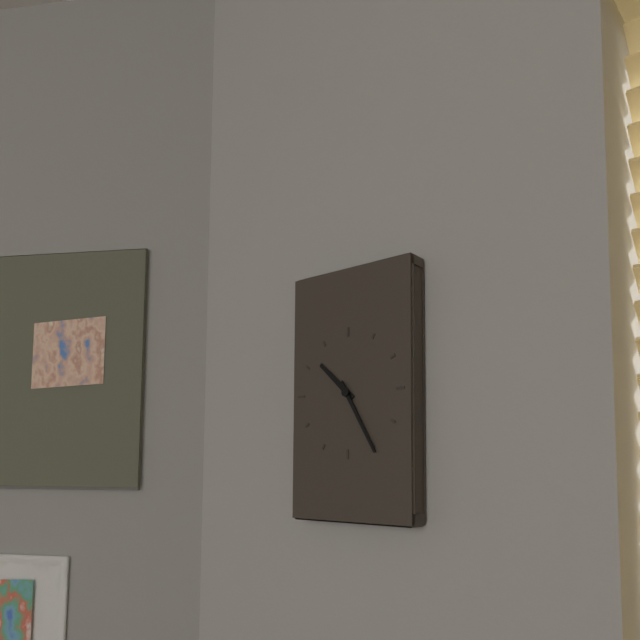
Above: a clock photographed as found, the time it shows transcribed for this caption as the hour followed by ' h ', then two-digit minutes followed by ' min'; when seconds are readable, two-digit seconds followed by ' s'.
10 h 25 min
